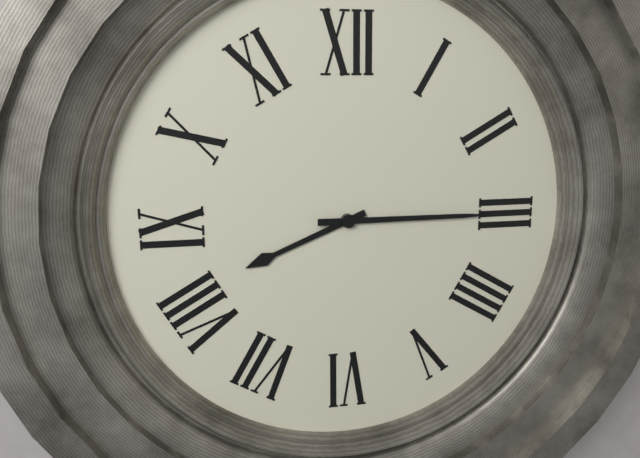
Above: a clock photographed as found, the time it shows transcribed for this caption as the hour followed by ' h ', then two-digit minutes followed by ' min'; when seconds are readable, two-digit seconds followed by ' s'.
8 h 15 min
